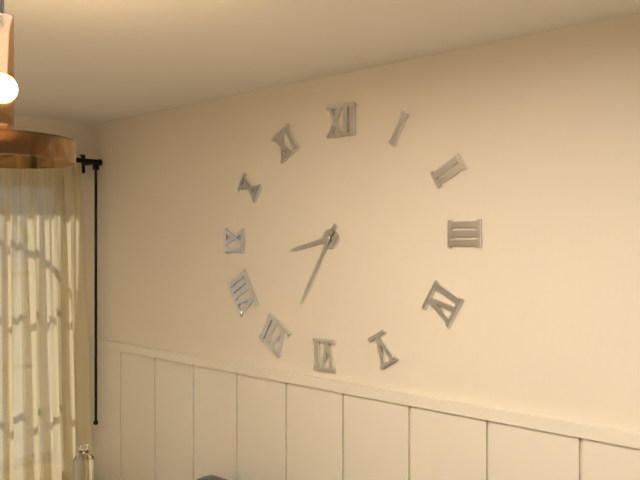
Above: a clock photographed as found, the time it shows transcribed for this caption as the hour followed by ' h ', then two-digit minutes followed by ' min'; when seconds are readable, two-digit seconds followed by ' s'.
8 h 35 min
